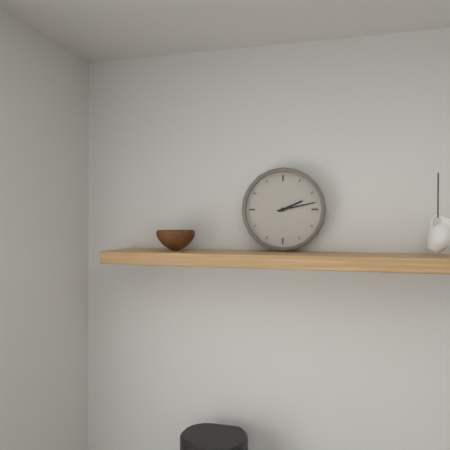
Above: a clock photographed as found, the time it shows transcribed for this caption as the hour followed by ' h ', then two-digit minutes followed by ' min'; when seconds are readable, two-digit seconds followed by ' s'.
2 h 13 min
